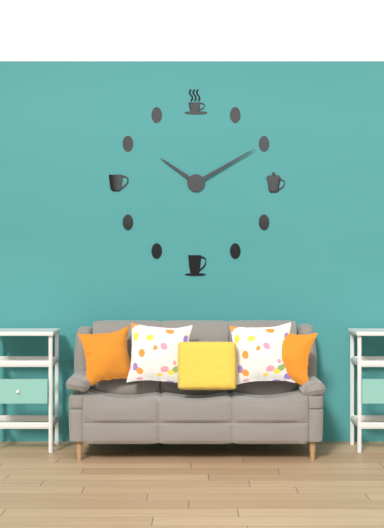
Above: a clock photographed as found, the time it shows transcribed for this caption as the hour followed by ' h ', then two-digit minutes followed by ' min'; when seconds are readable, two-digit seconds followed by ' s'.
10 h 10 min
